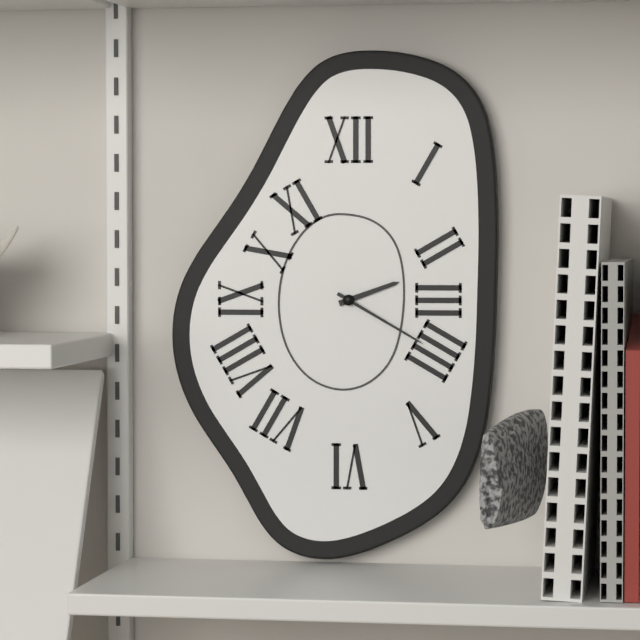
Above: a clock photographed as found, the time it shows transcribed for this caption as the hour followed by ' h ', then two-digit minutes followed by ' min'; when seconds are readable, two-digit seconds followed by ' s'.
2 h 20 min
